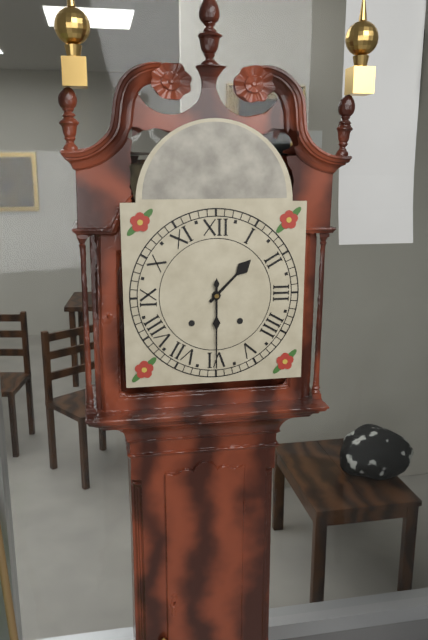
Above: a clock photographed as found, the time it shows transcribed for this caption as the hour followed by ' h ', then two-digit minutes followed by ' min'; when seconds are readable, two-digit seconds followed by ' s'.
1 h 30 min
